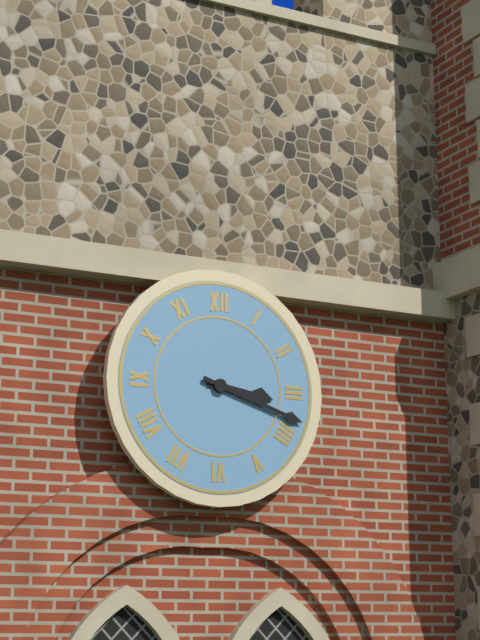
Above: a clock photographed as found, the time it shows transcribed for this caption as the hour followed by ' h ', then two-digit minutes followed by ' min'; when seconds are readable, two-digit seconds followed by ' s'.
3 h 18 min
